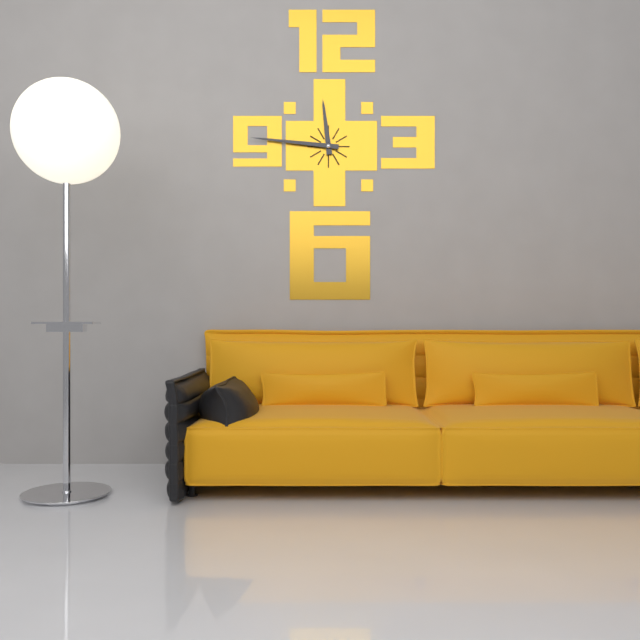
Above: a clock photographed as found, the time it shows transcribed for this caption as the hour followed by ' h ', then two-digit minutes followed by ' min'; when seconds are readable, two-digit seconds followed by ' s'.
11 h 46 min
